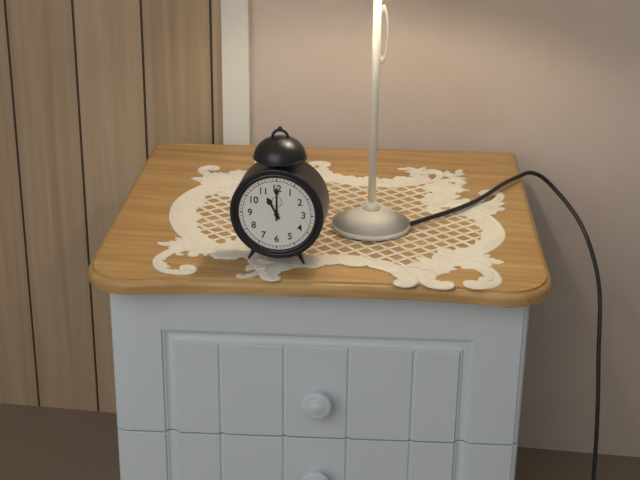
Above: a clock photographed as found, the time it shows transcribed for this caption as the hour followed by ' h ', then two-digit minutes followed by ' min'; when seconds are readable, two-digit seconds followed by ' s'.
11 h 00 min
